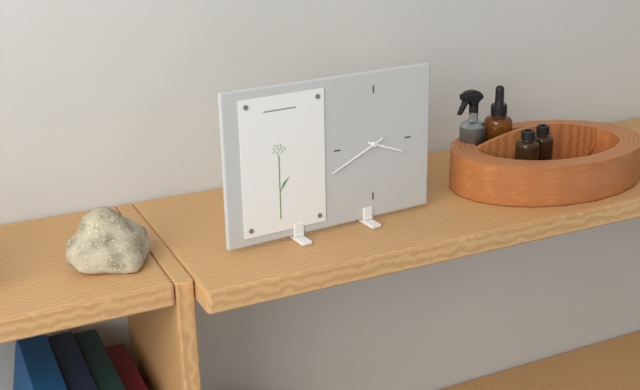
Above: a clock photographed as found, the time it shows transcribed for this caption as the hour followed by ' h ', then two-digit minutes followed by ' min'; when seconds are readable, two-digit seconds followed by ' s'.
3 h 41 min
